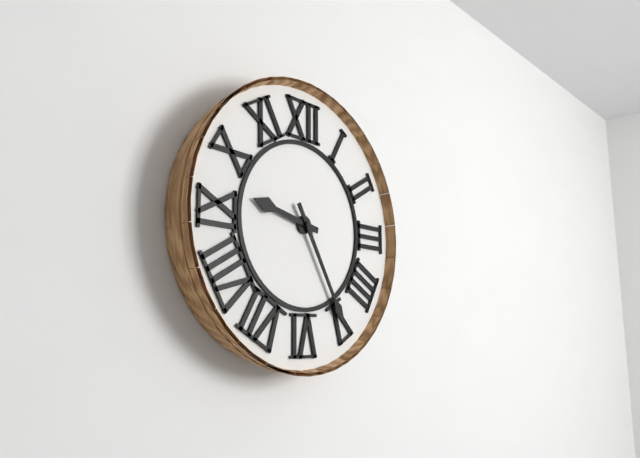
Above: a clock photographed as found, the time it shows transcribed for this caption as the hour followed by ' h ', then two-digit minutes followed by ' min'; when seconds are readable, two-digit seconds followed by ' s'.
9 h 25 min
